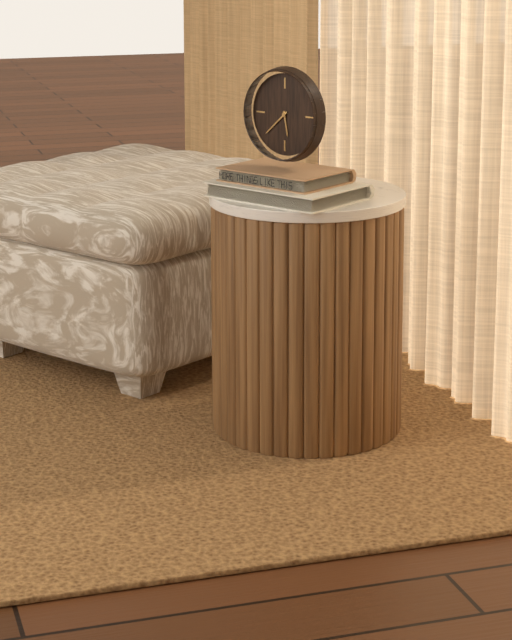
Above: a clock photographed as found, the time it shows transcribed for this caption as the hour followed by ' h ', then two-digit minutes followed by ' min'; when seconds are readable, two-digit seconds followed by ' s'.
5 h 38 min
